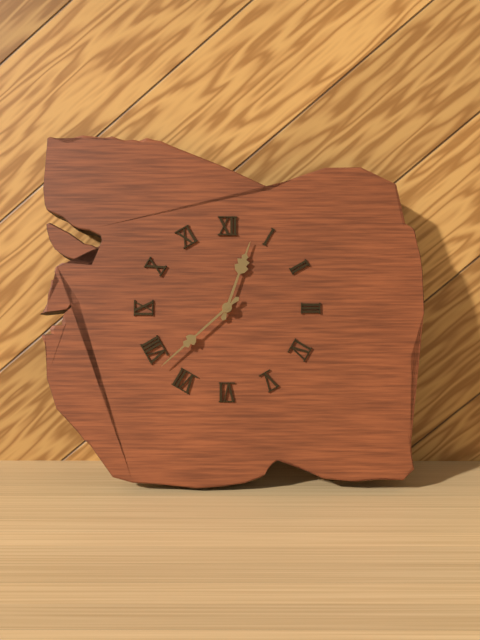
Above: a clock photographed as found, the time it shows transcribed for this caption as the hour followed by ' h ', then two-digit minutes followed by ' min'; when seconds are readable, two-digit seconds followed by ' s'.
12 h 38 min
